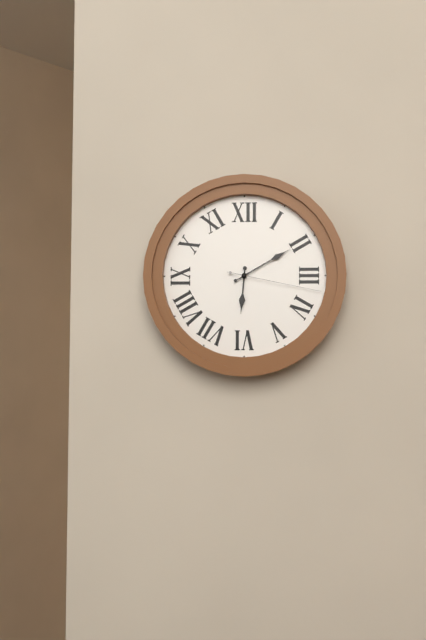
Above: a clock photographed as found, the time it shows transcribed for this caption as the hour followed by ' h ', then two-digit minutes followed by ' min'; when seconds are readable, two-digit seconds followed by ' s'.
6 h 10 min 17 s
